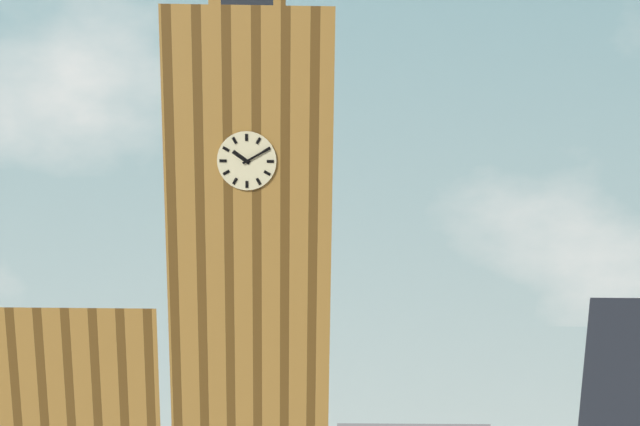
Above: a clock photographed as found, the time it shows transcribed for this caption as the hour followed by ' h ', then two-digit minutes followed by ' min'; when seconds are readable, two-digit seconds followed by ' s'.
10 h 10 min
